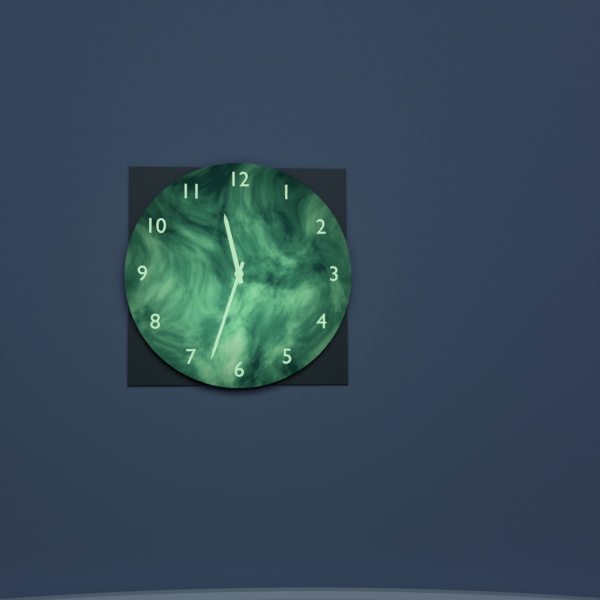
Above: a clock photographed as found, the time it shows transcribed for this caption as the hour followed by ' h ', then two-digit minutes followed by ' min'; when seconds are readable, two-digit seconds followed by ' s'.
11 h 33 min
